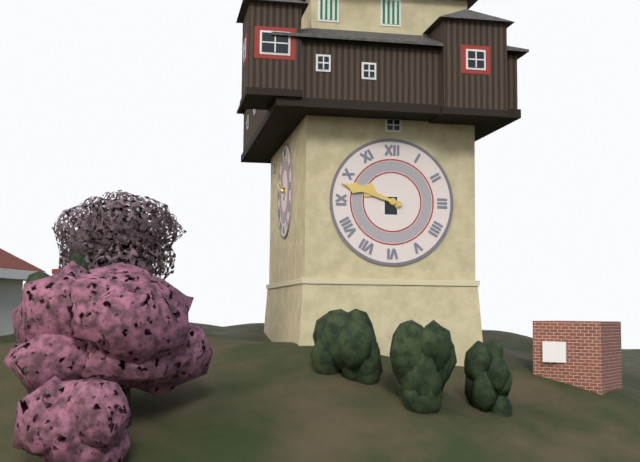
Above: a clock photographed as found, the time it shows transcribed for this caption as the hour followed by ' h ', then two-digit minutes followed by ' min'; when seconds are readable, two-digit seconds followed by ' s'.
9 h 48 min
